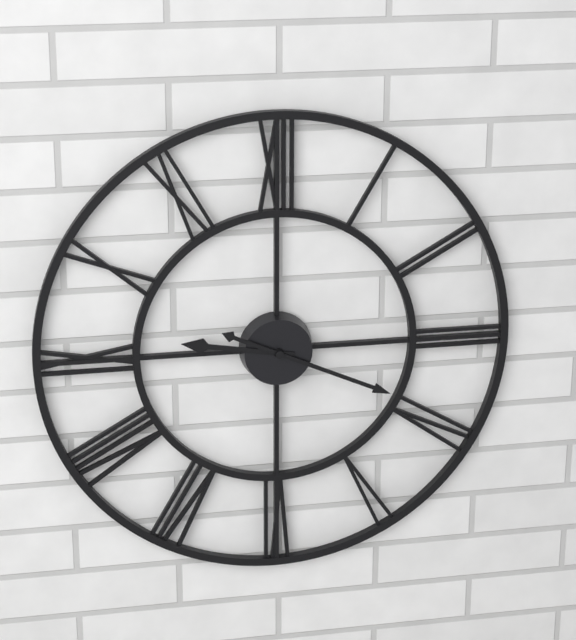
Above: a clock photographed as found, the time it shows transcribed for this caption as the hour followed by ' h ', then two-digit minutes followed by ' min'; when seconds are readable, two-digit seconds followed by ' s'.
9 h 19 min
